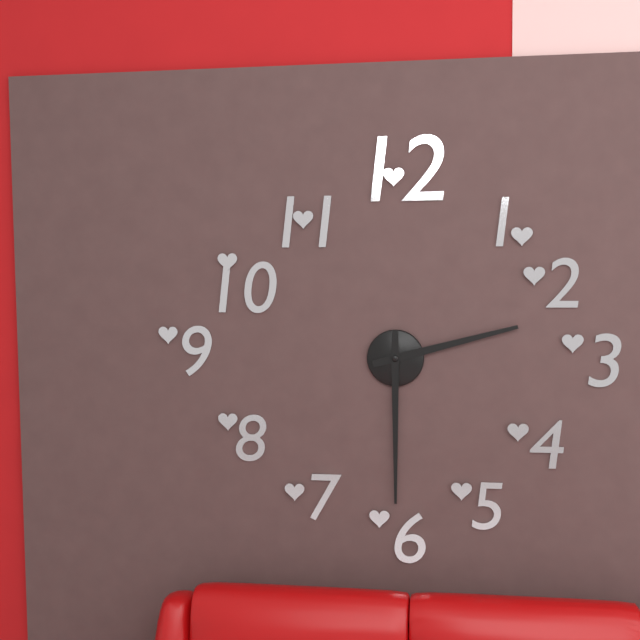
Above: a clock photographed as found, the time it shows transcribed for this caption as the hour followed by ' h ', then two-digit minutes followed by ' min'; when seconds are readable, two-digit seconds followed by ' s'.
2 h 30 min
